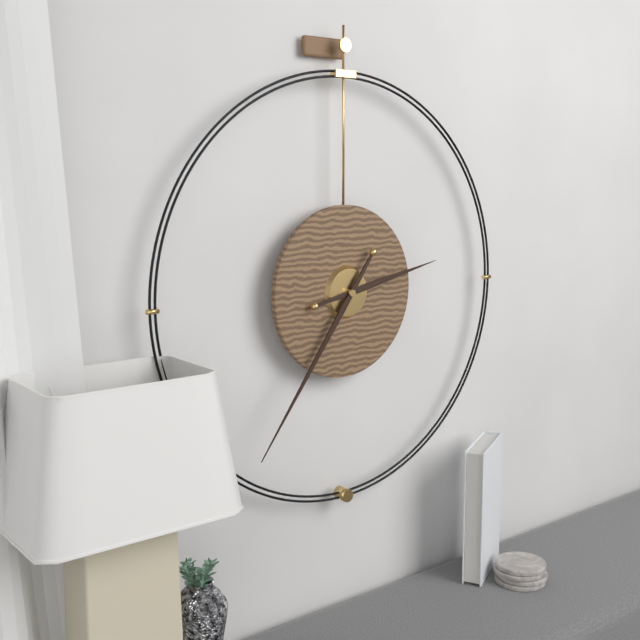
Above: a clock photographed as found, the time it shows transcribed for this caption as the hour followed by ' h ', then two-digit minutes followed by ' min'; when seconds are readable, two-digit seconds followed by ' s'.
2 h 36 min
